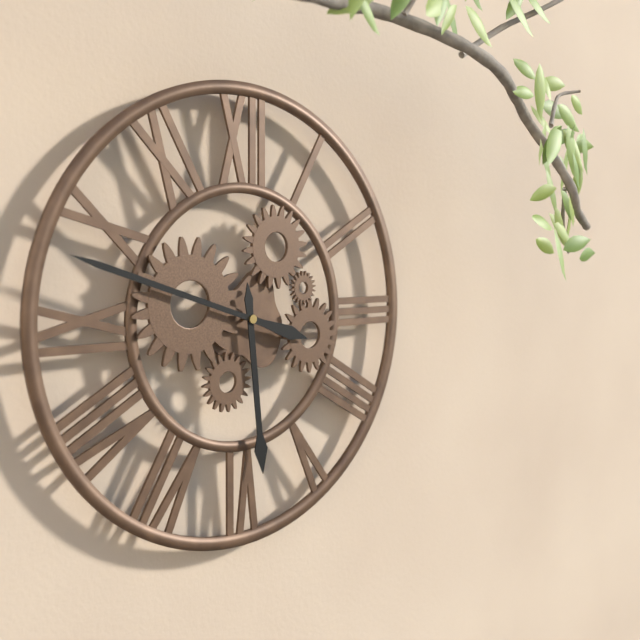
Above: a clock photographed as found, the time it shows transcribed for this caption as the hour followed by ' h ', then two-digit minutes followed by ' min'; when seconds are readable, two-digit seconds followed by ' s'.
5 h 48 min
